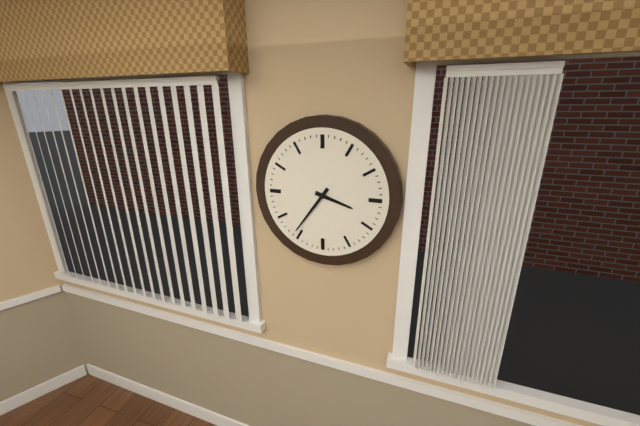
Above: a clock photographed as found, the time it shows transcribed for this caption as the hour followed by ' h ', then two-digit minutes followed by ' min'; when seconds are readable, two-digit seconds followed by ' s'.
3 h 36 min
